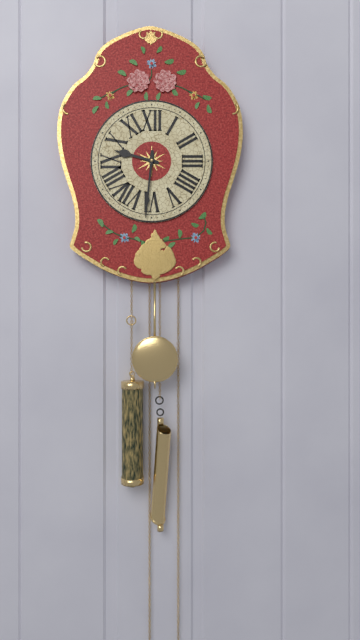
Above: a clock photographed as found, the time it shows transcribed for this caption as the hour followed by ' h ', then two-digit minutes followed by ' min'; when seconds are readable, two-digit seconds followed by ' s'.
9 h 31 min
